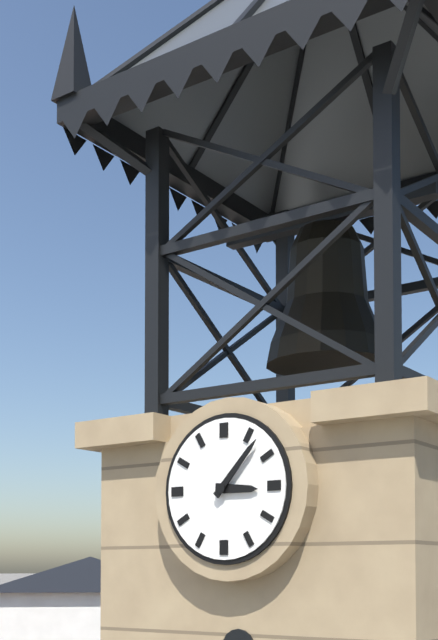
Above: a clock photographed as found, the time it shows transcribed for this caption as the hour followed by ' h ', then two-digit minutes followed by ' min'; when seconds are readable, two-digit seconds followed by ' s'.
3 h 07 min
